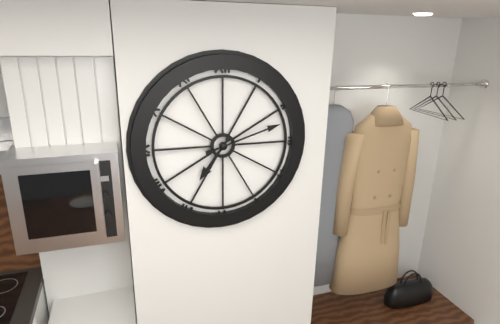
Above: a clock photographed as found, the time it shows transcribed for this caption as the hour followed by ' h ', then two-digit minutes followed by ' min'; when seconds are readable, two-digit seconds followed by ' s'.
7 h 12 min
